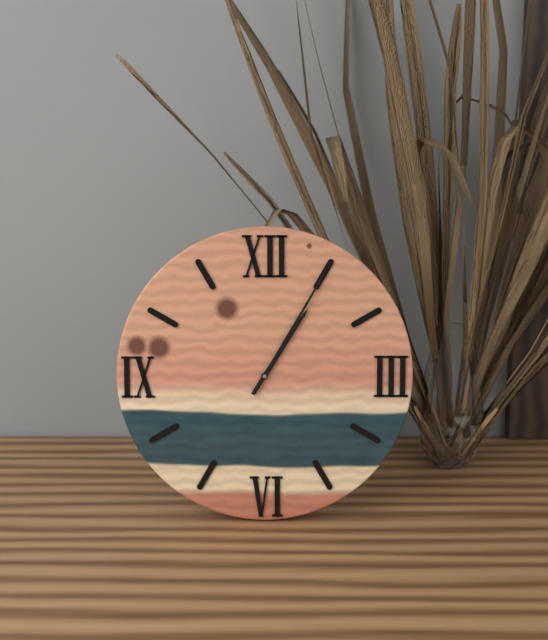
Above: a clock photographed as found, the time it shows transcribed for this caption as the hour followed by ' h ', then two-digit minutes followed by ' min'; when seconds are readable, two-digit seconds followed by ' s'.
1 h 05 min
